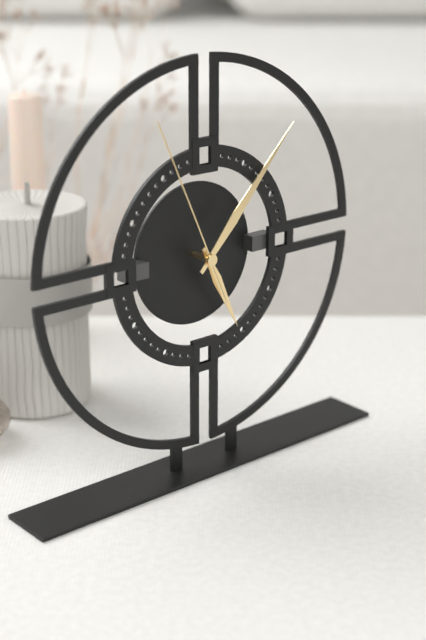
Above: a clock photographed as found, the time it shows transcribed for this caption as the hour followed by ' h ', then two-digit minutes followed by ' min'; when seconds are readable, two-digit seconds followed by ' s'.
5 h 07 min 56 s
